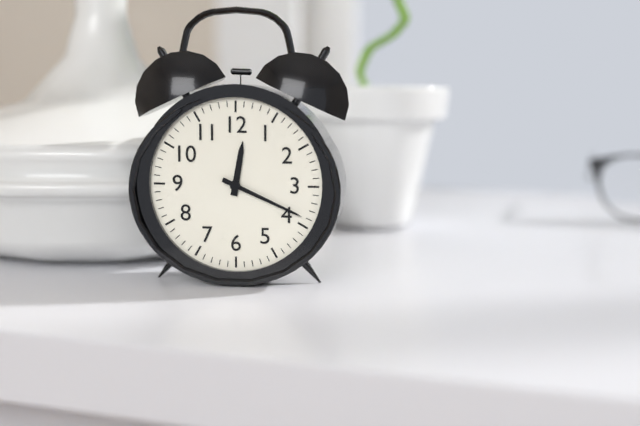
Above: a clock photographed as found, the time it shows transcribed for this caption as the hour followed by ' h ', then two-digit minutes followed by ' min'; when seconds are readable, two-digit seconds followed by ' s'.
12 h 19 min
